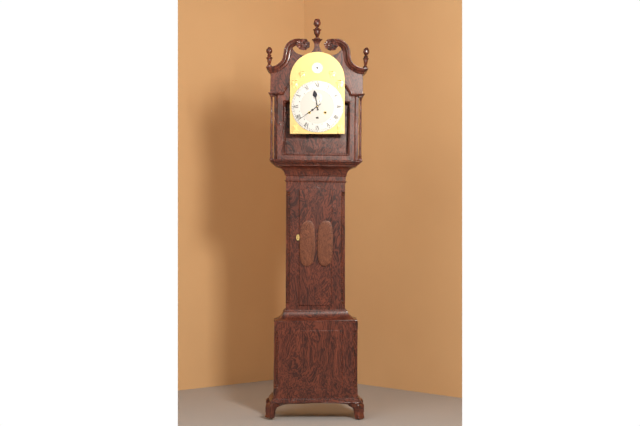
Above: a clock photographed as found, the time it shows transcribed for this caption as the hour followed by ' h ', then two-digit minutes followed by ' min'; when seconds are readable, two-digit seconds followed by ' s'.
11 h 39 min
